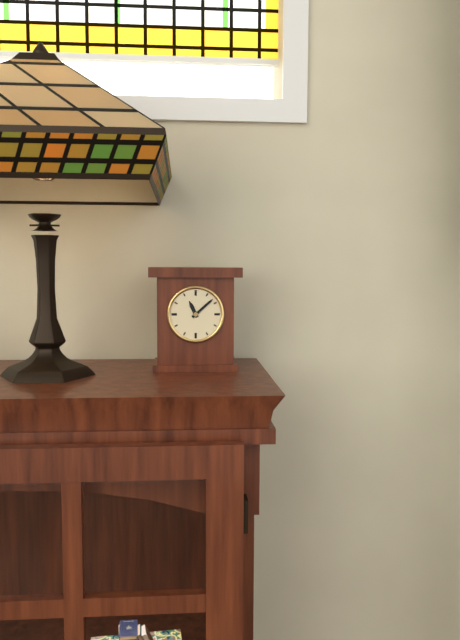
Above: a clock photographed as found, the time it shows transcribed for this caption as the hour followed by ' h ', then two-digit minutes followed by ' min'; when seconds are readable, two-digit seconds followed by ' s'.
11 h 08 min
